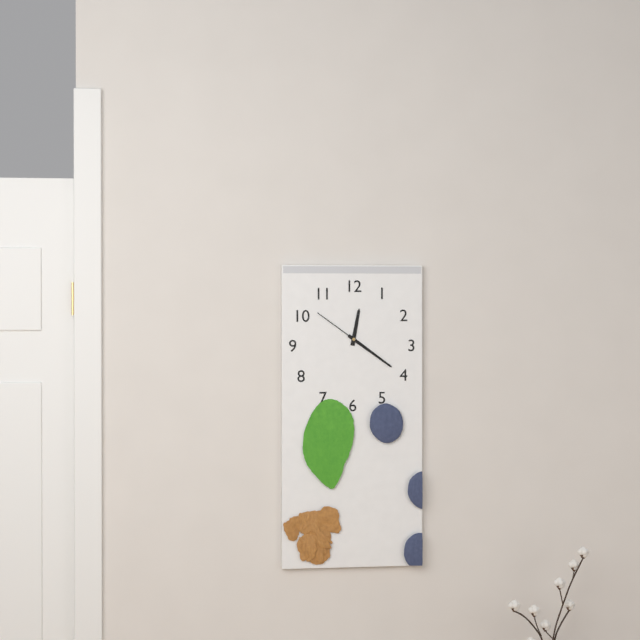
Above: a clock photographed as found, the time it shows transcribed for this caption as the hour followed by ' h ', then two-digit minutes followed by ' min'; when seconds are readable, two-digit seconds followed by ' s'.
12 h 21 min 51 s
